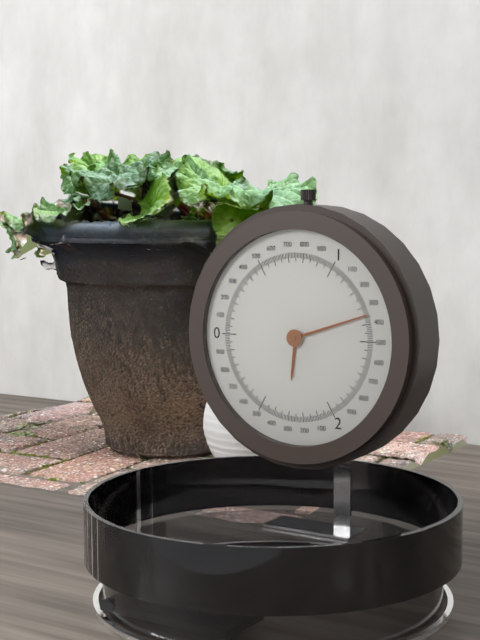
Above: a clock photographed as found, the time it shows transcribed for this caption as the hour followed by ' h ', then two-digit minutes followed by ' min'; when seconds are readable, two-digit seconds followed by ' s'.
6 h 12 min
